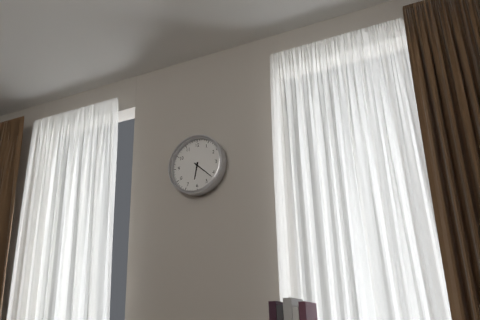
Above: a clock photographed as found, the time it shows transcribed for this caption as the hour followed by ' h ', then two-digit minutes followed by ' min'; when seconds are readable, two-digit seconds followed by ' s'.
6 h 22 min
